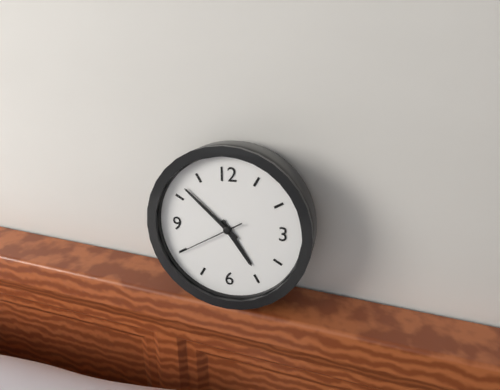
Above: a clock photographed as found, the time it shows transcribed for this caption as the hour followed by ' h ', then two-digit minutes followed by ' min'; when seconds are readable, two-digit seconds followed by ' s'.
4 h 52 min 40 s
